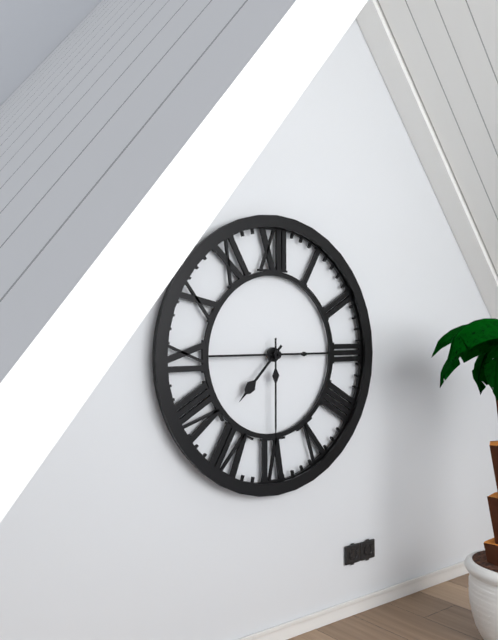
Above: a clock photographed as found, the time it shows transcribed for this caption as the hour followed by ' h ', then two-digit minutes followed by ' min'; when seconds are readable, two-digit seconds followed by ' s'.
7 h 30 min 45 s
